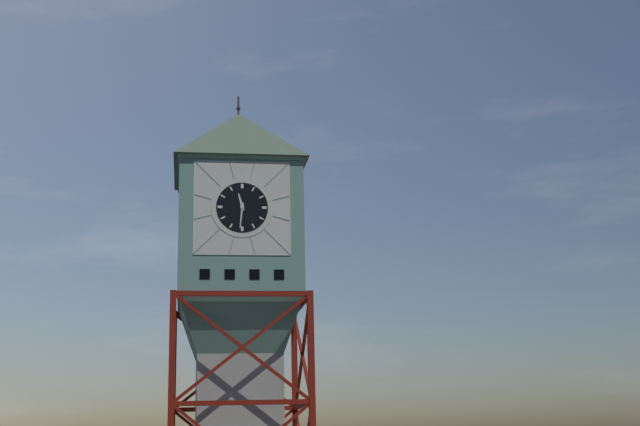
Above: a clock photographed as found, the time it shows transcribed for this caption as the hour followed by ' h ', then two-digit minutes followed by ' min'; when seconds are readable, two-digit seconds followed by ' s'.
11 h 31 min
